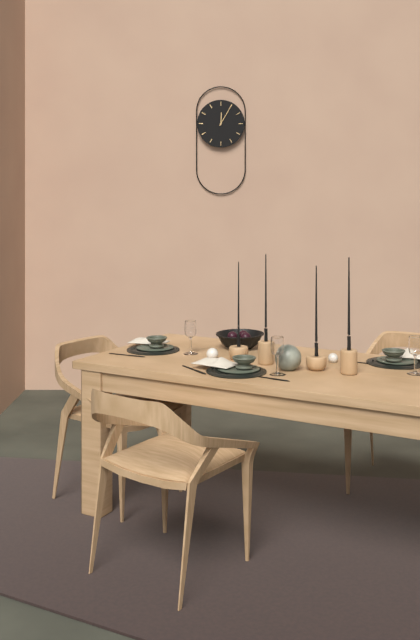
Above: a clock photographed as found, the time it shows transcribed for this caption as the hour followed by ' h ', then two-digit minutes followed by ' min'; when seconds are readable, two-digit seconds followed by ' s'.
12 h 05 min
